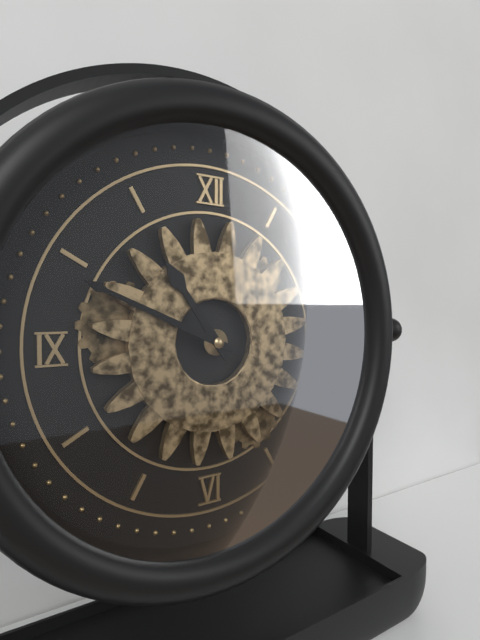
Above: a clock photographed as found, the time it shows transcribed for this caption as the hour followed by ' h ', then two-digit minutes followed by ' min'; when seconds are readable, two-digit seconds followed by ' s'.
10 h 49 min
